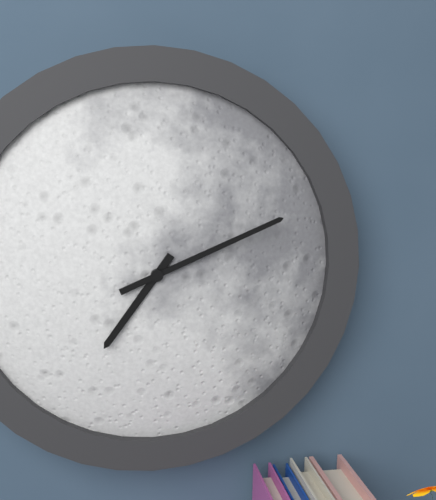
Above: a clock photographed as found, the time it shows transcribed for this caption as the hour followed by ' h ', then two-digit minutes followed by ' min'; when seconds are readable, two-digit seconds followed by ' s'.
7 h 11 min
